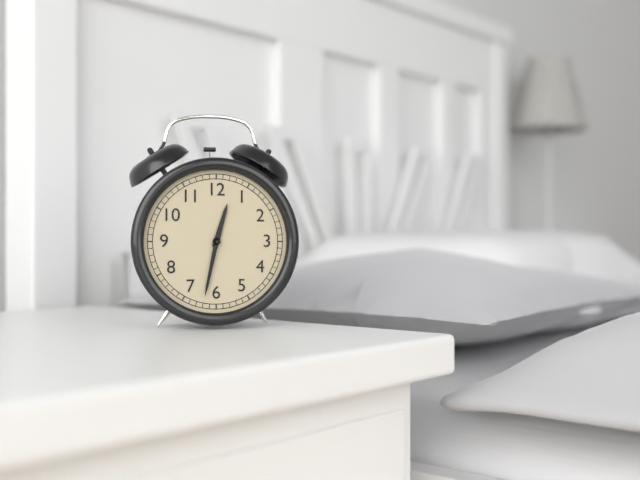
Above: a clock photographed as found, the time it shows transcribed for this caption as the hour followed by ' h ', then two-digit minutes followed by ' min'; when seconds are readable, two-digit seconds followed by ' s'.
12 h 32 min
